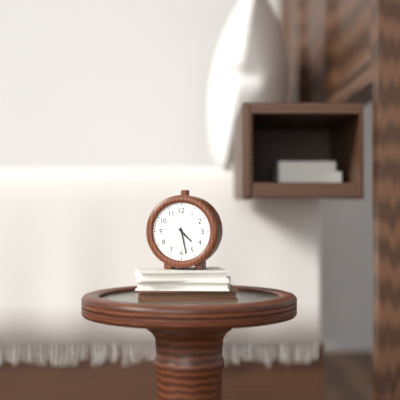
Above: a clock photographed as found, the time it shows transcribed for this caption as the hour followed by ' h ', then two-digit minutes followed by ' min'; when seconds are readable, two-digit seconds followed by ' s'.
4 h 28 min
